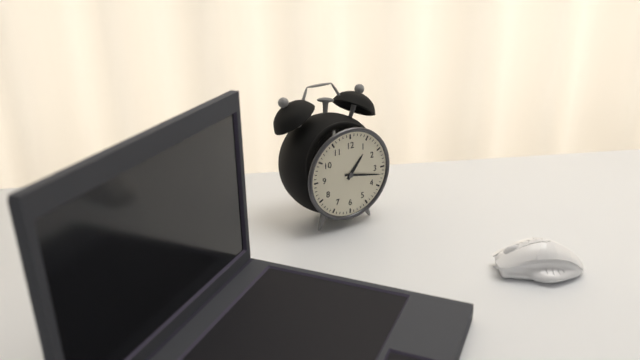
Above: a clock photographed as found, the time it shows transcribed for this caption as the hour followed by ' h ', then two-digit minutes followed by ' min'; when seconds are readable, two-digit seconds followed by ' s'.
1 h 17 min
